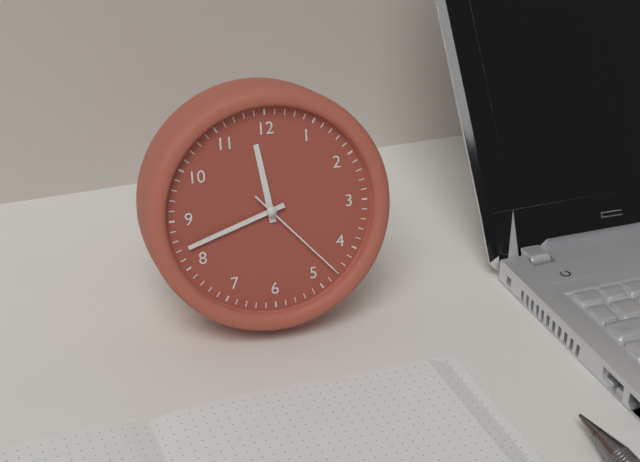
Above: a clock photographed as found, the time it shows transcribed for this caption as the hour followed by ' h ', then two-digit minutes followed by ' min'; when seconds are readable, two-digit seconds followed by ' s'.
11 h 42 min 23 s
